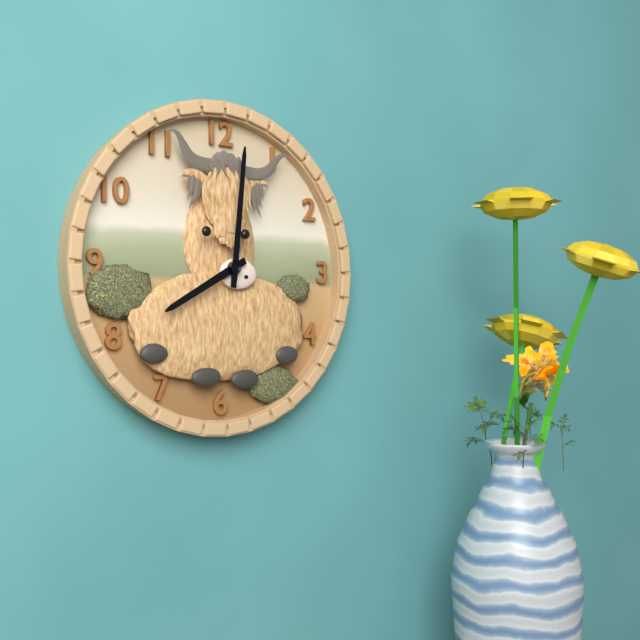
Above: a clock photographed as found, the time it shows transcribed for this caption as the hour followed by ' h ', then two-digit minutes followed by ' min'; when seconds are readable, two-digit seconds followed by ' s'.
8 h 01 min
